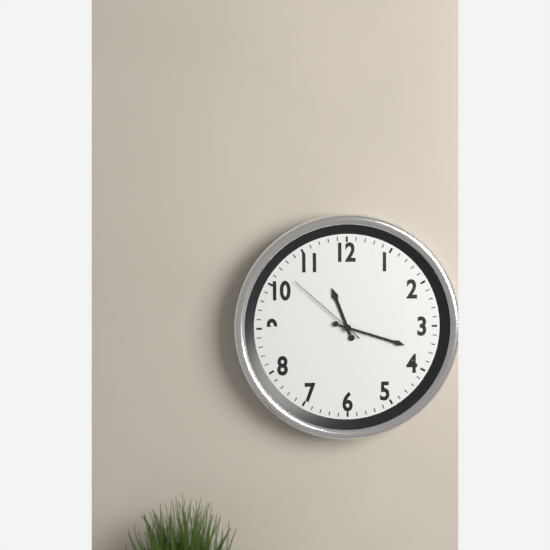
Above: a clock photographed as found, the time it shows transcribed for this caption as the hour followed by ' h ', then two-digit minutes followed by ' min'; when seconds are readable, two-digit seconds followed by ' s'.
11 h 18 min 52 s
